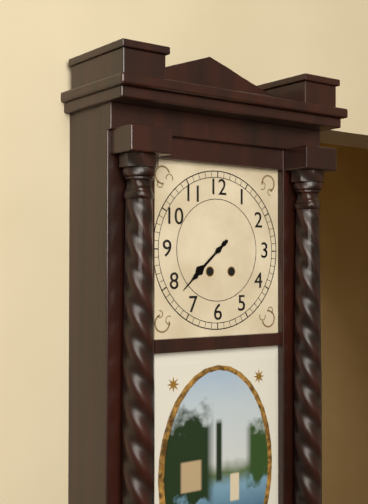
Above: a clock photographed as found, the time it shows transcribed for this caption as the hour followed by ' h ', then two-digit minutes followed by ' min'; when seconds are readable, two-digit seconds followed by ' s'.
7 h 38 min
